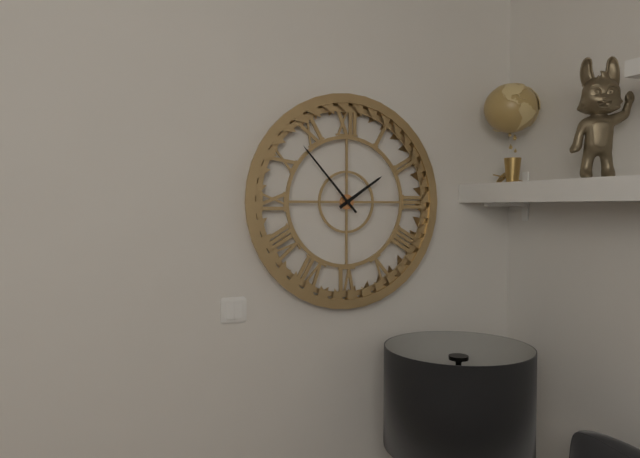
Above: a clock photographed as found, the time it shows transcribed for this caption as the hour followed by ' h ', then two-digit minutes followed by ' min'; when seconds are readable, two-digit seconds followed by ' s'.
1 h 53 min
